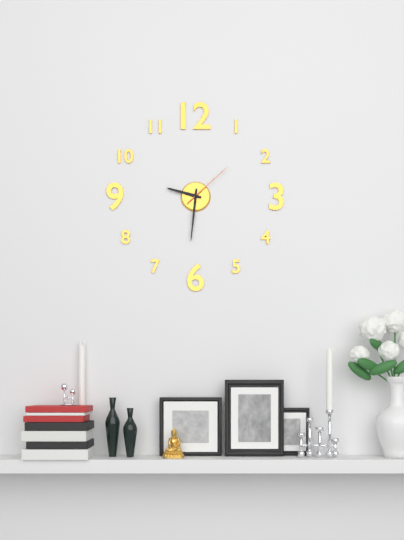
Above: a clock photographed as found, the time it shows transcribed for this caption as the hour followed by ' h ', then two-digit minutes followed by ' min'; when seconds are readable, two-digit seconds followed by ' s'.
9 h 31 min 08 s
